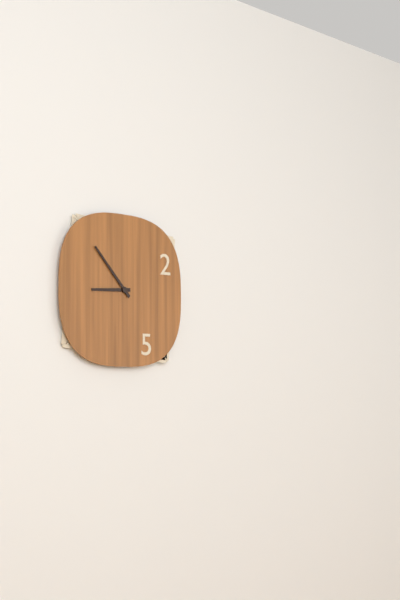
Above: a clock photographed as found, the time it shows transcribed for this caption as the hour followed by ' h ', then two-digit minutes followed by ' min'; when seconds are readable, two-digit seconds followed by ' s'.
8 h 53 min
